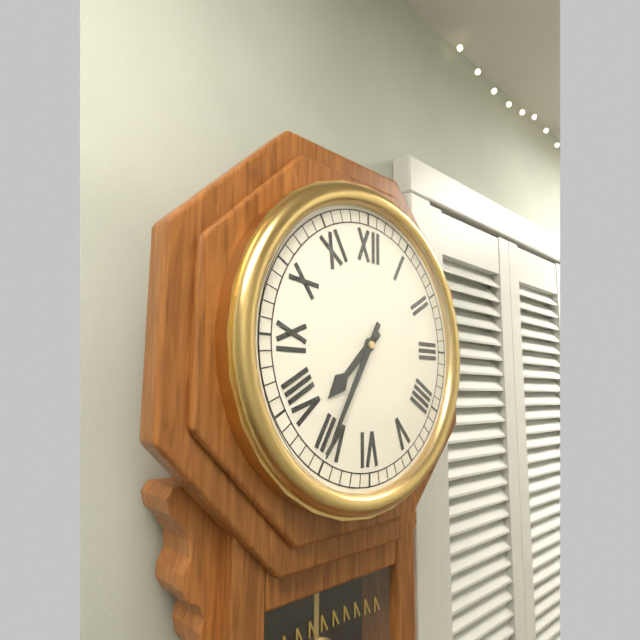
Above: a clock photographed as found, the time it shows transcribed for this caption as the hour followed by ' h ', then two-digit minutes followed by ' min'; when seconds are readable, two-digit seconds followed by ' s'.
7 h 35 min
